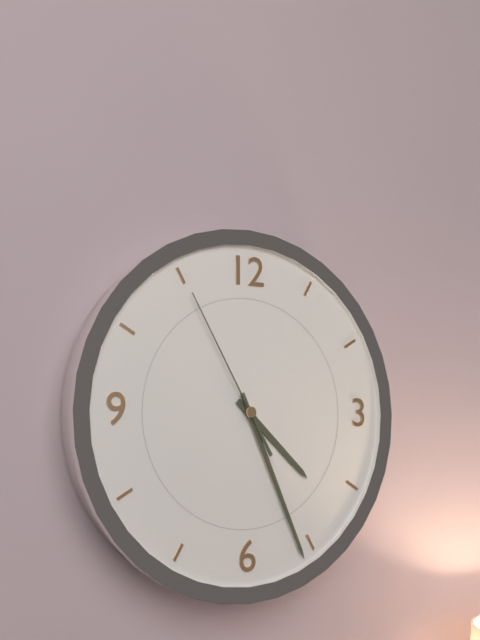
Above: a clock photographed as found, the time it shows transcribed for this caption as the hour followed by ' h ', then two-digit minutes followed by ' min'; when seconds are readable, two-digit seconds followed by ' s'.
4 h 26 min 55 s
